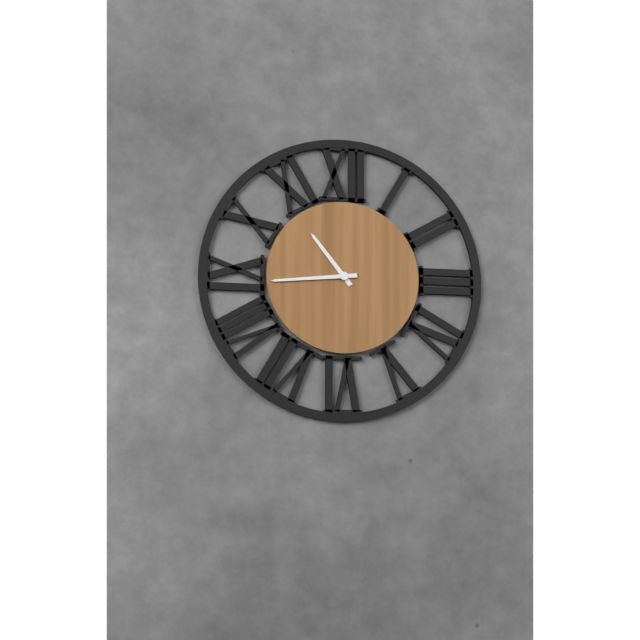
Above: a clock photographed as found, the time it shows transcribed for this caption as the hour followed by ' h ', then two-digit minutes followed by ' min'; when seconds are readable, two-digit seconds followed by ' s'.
10 h 44 min
